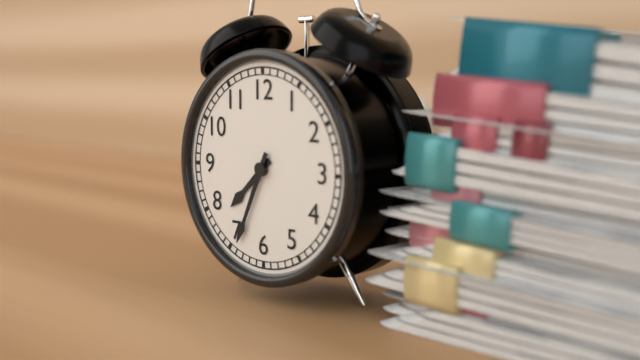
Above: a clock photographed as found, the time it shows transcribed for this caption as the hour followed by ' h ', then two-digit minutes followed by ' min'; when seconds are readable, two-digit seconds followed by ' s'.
7 h 34 min
